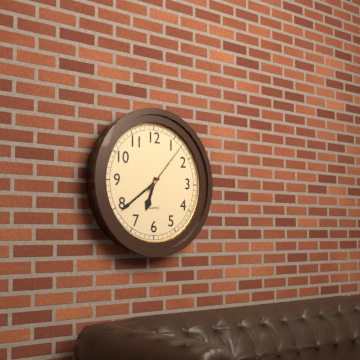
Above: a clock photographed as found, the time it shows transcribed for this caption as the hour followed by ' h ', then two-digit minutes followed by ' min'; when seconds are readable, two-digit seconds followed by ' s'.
6 h 39 min 07 s
